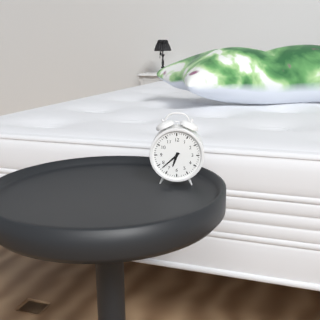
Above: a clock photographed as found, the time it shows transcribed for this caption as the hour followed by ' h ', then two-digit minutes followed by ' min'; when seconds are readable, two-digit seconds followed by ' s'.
6 h 38 min
